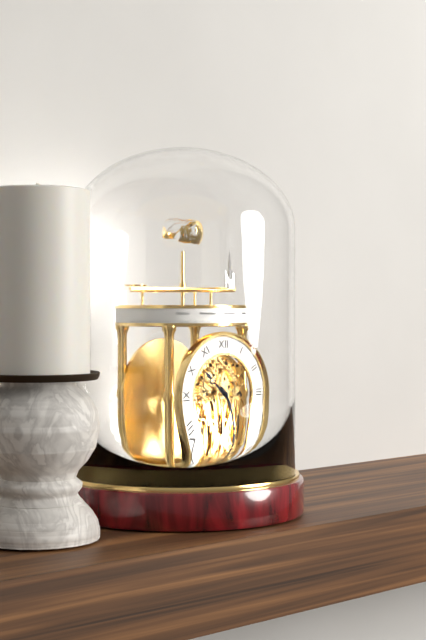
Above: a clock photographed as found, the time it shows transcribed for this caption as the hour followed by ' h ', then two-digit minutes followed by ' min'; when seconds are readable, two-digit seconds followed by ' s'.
10 h 24 min
